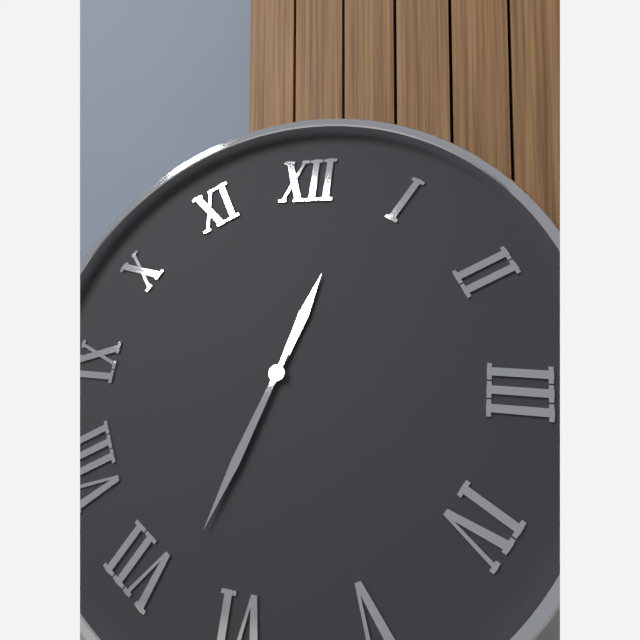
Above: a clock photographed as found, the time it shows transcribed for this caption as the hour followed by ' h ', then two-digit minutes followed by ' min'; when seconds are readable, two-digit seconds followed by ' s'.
12 h 33 min
